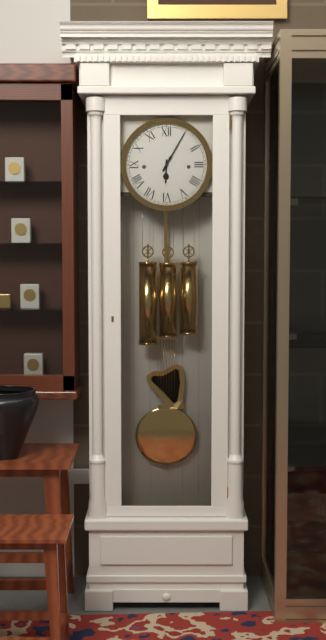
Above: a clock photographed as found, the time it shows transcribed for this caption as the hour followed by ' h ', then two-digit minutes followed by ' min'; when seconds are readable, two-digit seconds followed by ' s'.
6 h 05 min
